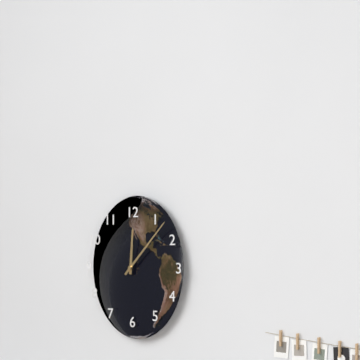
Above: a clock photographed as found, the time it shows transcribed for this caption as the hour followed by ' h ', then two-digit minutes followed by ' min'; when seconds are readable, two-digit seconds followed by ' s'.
12 h 07 min
